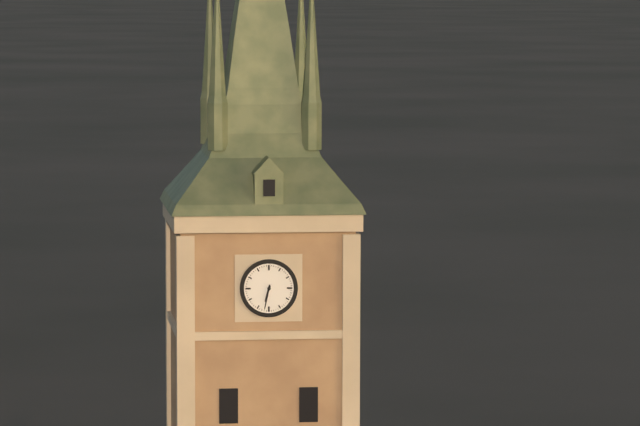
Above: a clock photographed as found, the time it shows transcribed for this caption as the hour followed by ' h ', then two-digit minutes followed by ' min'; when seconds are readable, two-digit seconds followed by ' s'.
6 h 32 min
